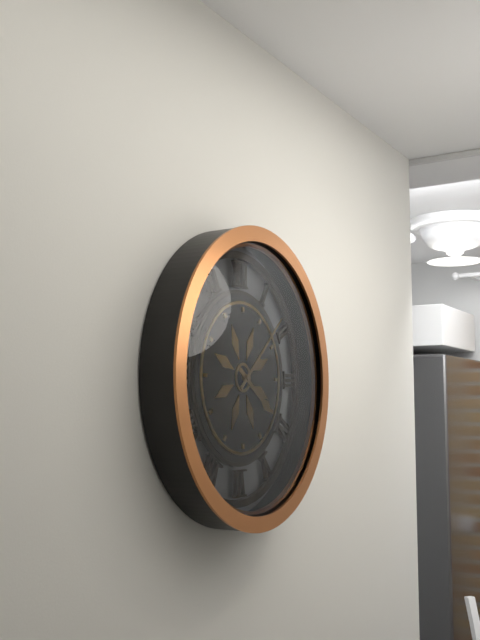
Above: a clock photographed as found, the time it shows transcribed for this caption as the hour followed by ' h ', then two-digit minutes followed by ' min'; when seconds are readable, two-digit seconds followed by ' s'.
4 h 08 min
